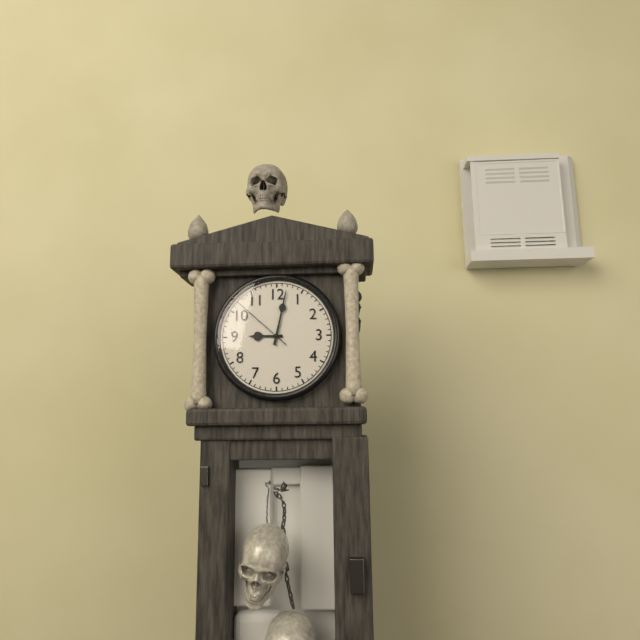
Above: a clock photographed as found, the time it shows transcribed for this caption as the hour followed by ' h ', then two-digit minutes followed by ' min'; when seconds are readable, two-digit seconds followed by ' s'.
9 h 02 min 52 s
